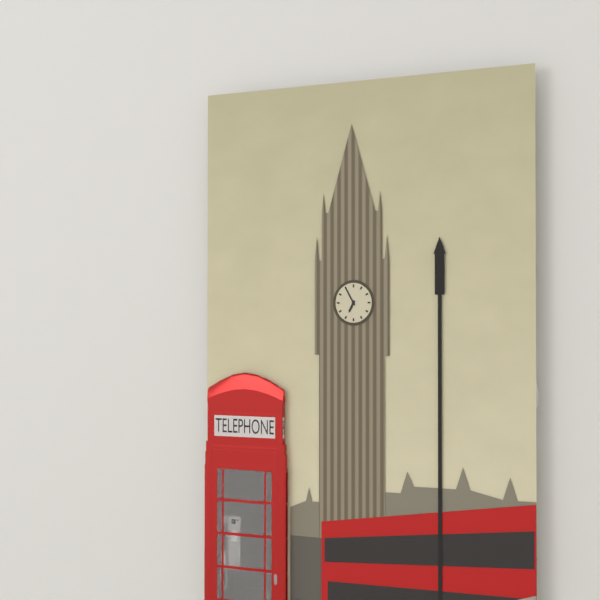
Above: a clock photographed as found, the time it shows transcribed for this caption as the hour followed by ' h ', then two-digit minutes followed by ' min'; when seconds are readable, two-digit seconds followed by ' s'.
6 h 55 min
